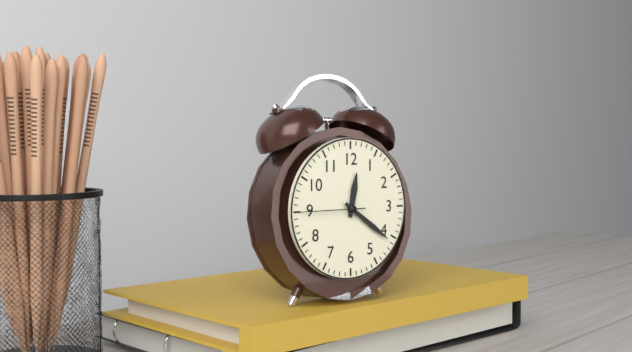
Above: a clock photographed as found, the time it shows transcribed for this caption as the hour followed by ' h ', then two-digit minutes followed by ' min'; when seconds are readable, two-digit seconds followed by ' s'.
12 h 21 min 45 s
